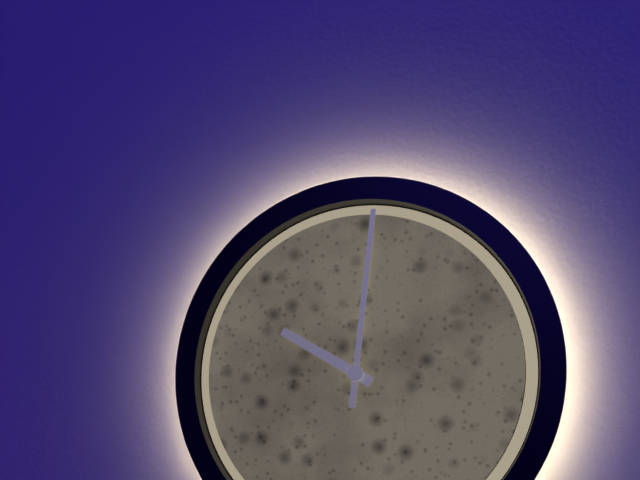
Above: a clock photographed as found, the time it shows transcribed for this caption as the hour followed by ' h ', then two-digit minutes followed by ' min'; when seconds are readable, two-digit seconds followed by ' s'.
10 h 01 min
